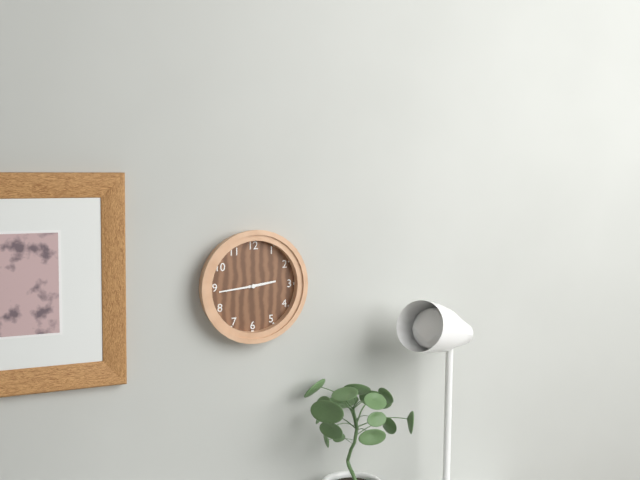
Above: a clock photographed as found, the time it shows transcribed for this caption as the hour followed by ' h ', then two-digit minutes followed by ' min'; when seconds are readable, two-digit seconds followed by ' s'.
2 h 44 min
